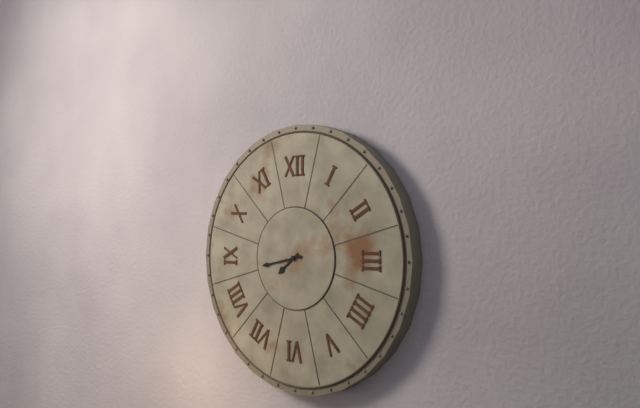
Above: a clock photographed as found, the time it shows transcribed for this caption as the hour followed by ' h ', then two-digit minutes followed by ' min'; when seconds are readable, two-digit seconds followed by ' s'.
7 h 43 min
